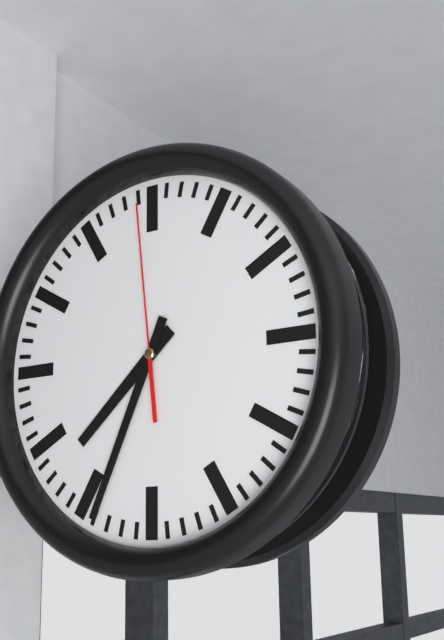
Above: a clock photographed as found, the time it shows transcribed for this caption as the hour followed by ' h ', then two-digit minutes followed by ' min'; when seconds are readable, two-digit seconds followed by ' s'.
7 h 34 min 59 s
